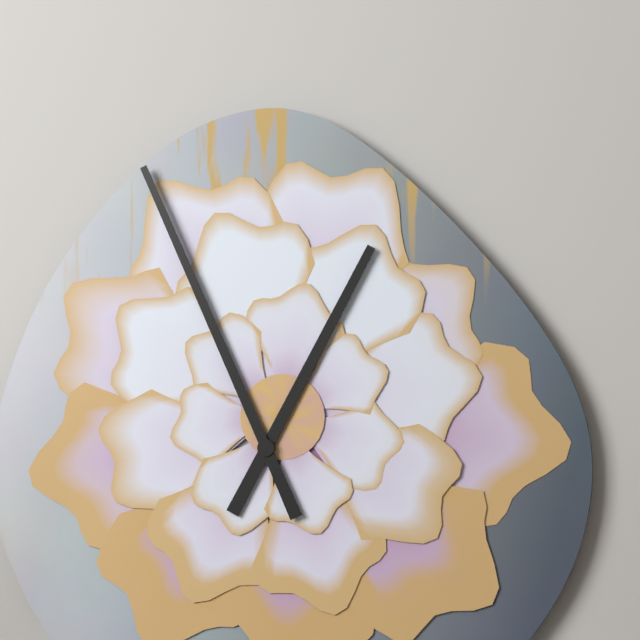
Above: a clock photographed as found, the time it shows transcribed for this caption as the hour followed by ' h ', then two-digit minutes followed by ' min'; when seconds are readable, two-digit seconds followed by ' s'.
12 h 56 min
